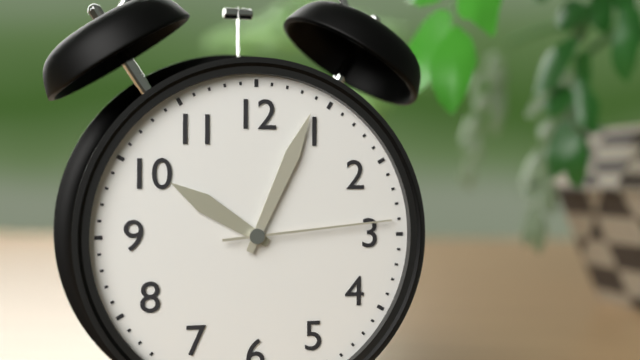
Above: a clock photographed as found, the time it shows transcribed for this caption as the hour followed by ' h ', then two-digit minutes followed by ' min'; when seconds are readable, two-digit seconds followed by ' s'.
10 h 04 min 14 s
